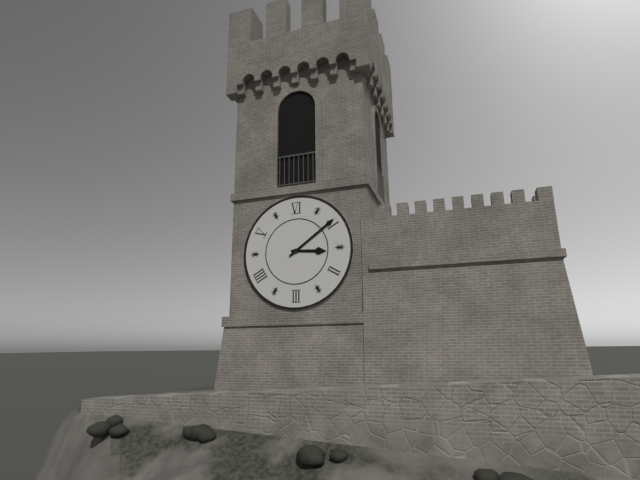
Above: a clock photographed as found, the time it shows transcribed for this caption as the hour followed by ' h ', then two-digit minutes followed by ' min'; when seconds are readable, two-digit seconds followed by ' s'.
3 h 09 min
